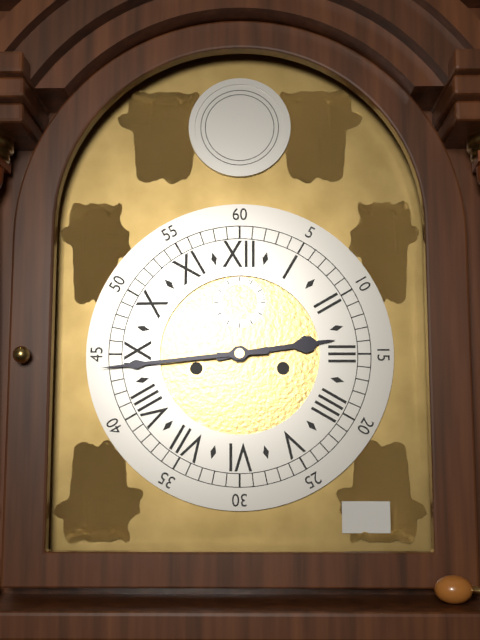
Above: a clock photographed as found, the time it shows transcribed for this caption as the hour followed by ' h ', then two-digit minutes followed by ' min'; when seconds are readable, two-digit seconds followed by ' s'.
2 h 44 min
